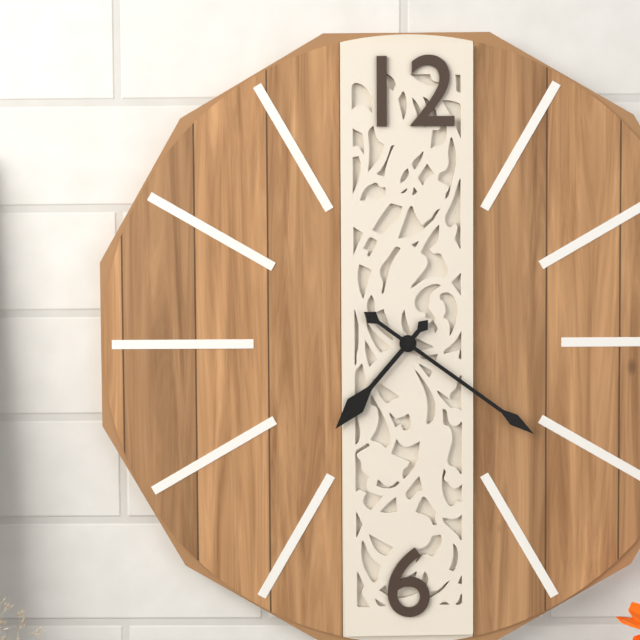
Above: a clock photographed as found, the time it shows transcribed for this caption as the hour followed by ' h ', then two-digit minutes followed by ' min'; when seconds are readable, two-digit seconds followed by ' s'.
7 h 21 min
